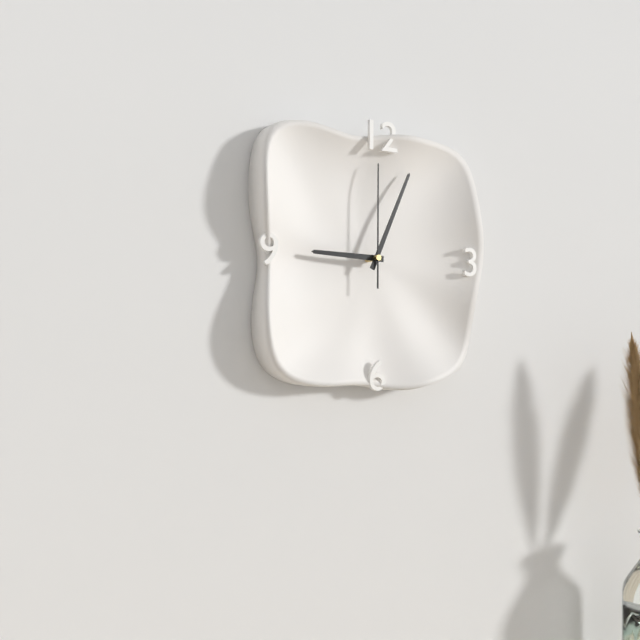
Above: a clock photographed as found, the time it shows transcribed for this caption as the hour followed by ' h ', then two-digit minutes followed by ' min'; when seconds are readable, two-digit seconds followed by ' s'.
9 h 04 min 00 s
